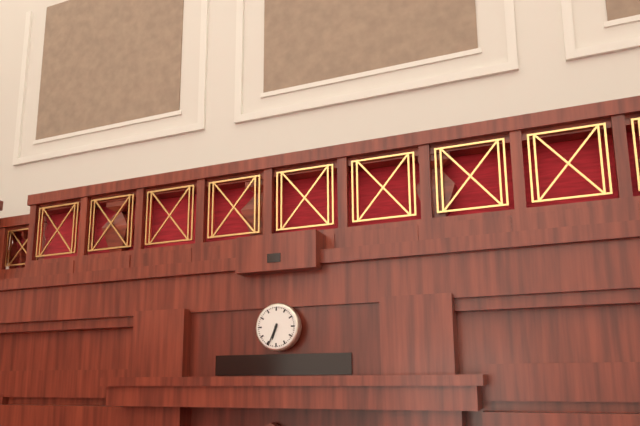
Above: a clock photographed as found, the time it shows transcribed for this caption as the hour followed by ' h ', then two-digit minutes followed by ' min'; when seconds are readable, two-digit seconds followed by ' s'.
6 h 34 min
